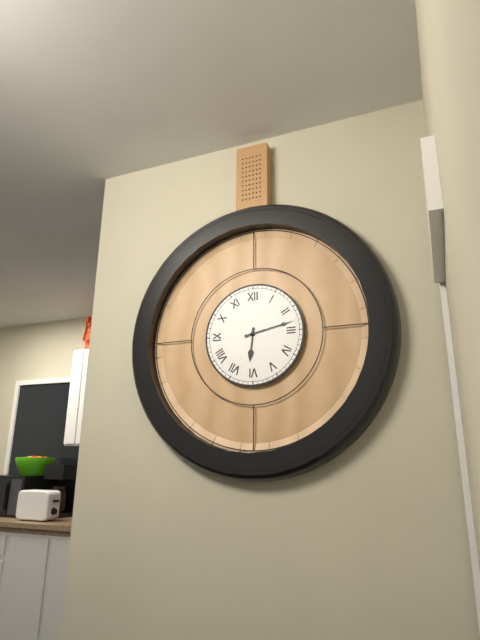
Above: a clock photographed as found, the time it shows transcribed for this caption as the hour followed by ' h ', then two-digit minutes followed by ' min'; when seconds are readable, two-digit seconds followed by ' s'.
6 h 13 min
